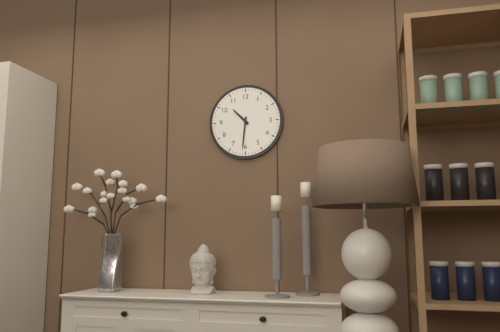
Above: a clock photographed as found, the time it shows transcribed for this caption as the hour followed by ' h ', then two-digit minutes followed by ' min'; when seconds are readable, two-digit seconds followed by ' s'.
10 h 31 min
